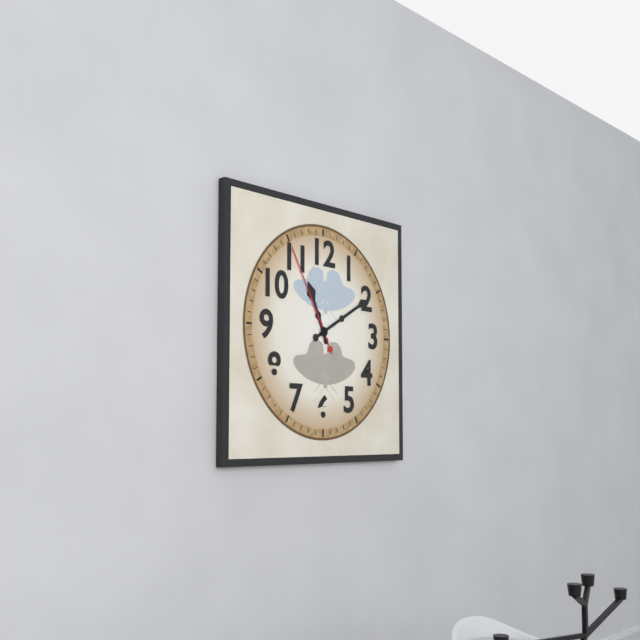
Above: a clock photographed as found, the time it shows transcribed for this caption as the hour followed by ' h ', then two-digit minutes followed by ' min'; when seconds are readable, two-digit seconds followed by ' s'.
11 h 10 min 55 s
